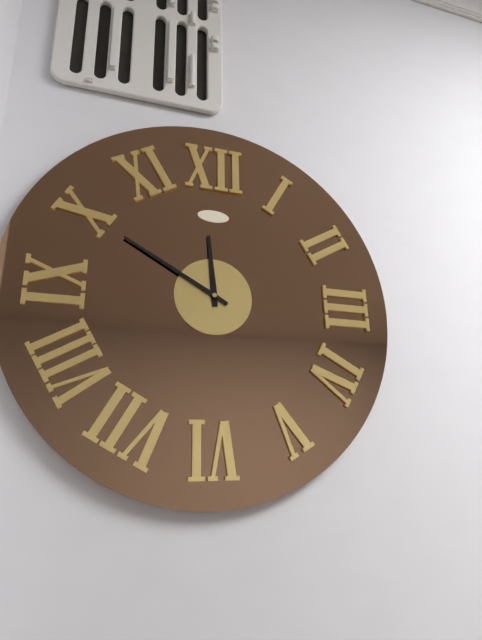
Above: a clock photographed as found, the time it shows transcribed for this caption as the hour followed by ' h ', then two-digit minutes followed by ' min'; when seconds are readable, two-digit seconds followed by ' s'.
11 h 50 min
